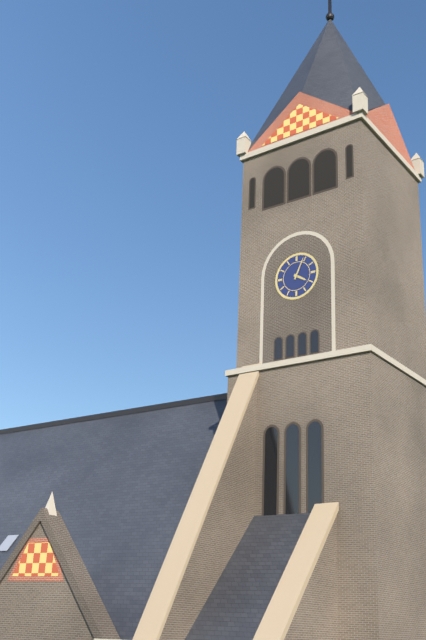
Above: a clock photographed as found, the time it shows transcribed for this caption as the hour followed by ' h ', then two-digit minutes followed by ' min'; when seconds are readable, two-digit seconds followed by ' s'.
4 h 04 min
